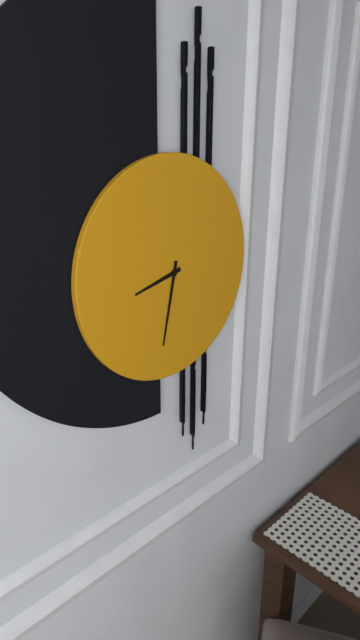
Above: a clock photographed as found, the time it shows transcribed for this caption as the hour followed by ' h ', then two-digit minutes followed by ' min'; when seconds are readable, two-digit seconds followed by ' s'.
8 h 32 min
